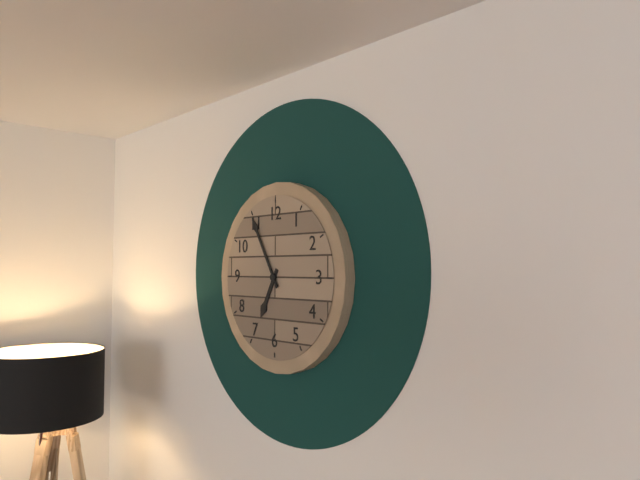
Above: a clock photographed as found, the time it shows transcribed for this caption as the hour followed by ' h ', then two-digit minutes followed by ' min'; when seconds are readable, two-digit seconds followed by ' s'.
6 h 55 min
